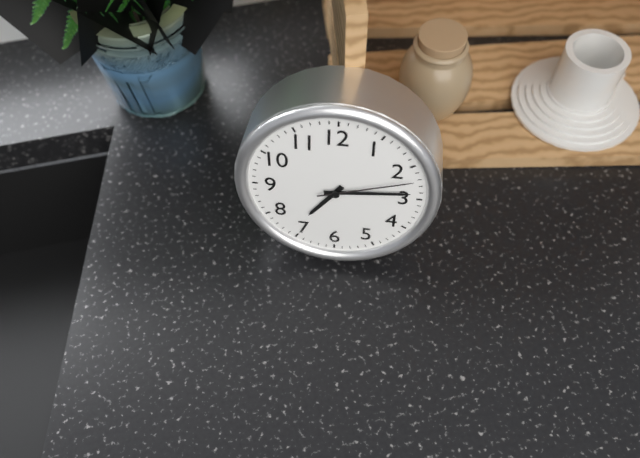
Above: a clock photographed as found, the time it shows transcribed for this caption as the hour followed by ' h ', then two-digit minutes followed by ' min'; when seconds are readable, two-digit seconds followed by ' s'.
7 h 14 min 12 s
